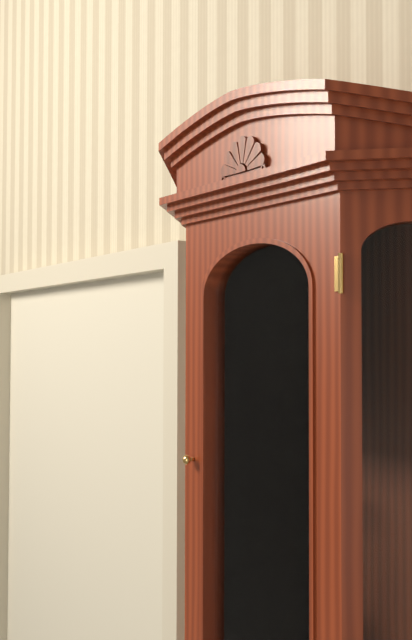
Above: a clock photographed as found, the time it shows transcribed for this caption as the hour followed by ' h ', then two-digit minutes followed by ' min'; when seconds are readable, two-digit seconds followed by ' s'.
8 h 29 min
